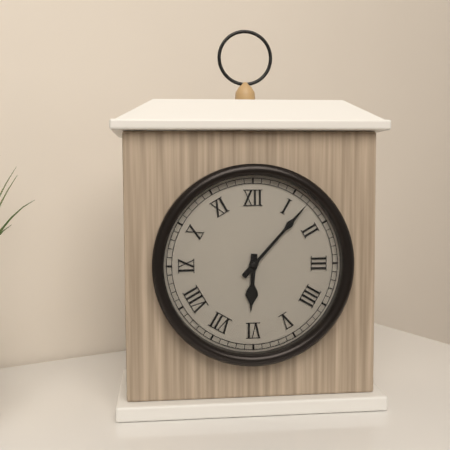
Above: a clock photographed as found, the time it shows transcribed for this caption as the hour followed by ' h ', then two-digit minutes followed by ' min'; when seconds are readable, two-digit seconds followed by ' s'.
6 h 07 min
